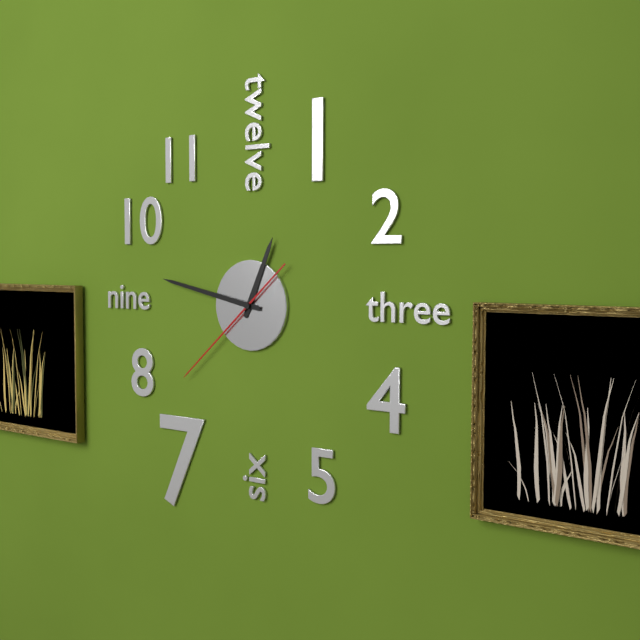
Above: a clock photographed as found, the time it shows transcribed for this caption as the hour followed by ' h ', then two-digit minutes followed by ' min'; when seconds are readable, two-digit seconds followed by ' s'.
12 h 47 min 38 s
